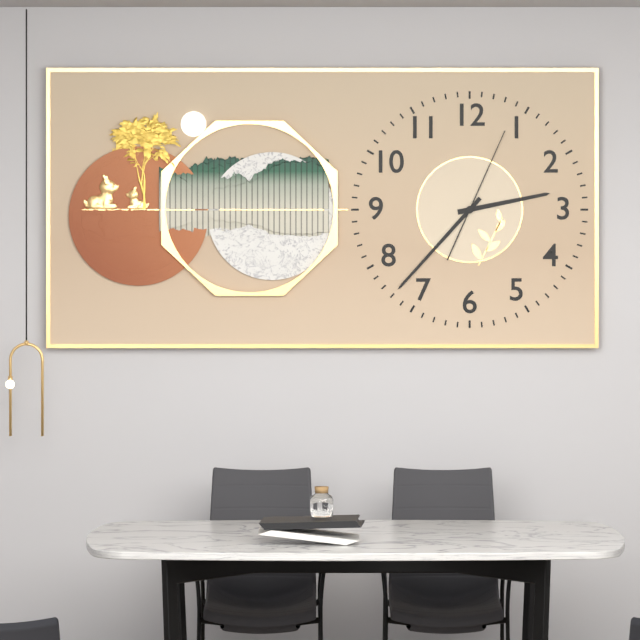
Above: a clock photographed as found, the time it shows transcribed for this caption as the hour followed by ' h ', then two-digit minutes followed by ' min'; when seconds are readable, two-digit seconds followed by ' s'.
2 h 37 min 04 s
